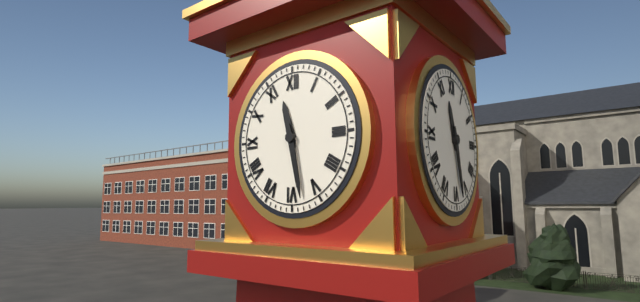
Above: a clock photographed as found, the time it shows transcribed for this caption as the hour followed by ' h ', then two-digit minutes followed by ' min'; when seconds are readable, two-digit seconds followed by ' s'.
11 h 28 min
